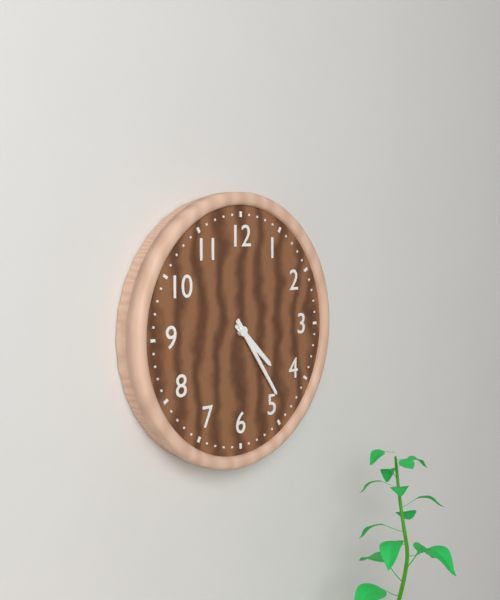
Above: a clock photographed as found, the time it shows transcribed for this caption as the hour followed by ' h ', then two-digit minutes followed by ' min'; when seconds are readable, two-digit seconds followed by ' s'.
4 h 24 min
